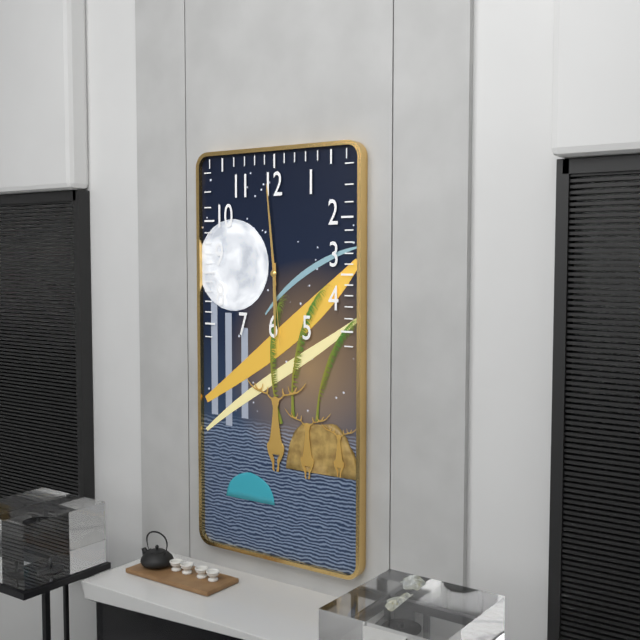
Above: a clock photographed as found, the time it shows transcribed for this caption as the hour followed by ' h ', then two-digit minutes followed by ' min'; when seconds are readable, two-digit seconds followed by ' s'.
5 h 59 min 29 s
